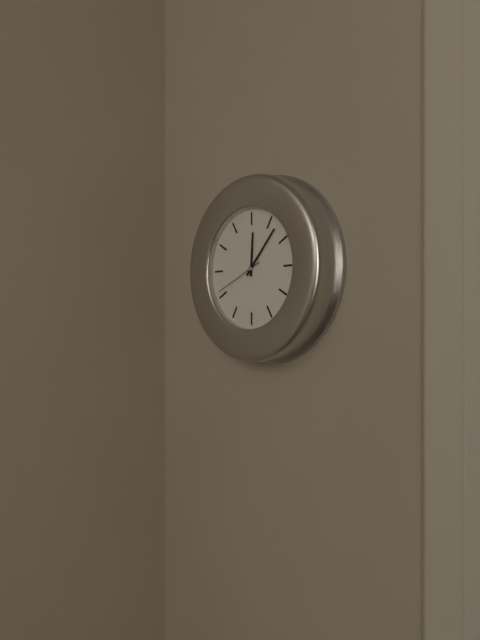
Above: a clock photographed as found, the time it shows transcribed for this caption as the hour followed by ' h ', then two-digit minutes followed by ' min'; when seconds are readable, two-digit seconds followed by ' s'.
12 h 07 min 41 s
